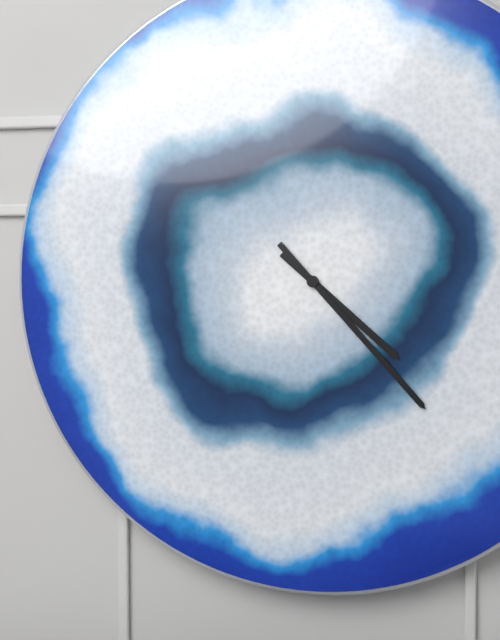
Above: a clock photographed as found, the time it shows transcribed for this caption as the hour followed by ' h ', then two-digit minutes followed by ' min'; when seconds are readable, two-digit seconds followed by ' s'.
4 h 23 min
